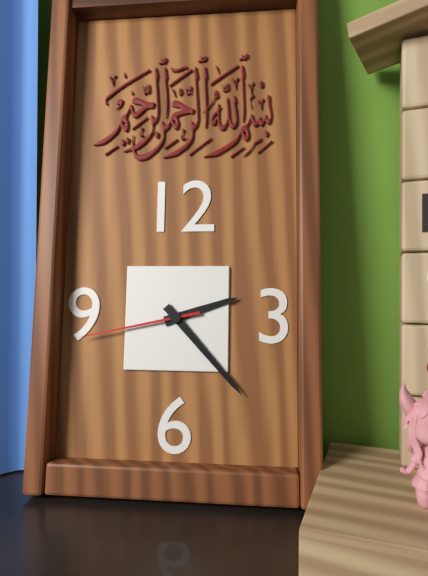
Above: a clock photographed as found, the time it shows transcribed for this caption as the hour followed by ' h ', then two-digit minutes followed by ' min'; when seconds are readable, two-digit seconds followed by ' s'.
2 h 23 min 43 s
